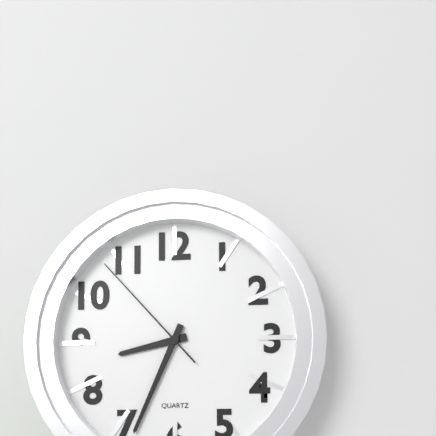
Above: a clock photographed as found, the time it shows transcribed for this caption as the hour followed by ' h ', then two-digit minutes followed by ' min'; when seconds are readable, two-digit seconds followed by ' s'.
8 h 34 min 53 s
